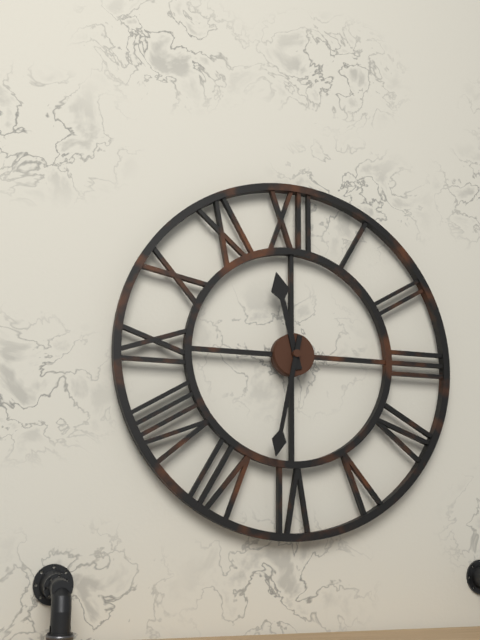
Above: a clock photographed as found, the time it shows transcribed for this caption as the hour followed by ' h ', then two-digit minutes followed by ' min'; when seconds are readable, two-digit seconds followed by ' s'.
11 h 32 min
